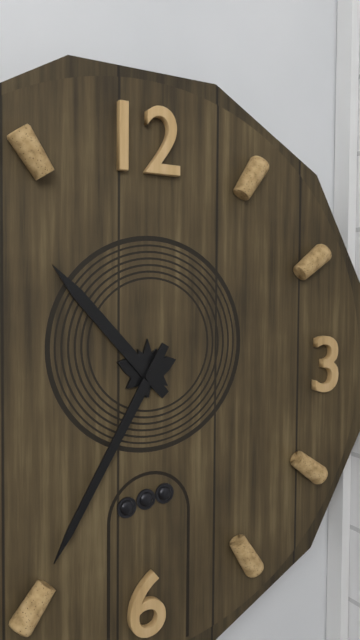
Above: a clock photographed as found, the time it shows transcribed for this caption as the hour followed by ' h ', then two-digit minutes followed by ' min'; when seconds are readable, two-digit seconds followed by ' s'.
10 h 35 min
